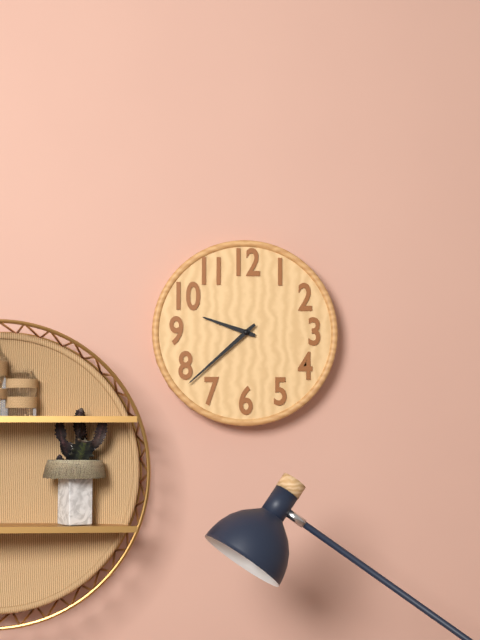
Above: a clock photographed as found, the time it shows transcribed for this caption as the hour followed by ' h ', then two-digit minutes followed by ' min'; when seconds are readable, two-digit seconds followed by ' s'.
9 h 38 min
